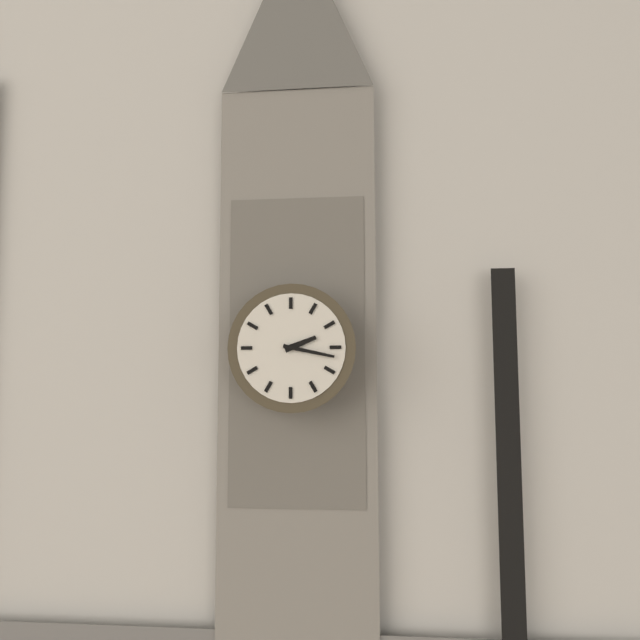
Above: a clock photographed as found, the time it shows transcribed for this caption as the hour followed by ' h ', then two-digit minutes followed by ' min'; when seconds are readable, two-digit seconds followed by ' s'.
2 h 17 min
